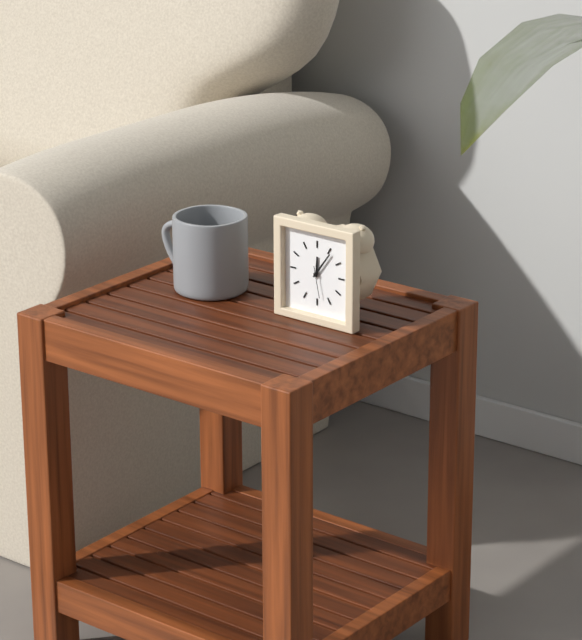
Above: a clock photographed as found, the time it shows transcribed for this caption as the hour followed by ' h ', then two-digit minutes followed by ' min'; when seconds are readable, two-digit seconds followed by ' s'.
12 h 06 min
